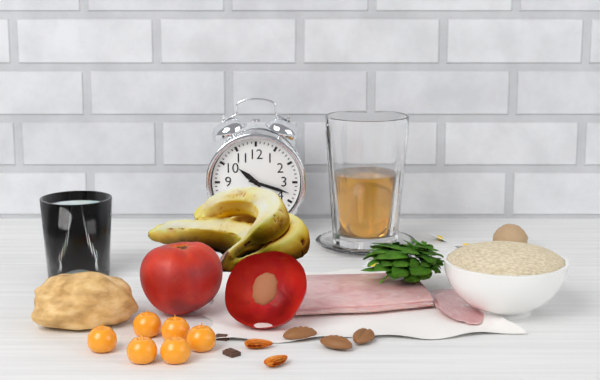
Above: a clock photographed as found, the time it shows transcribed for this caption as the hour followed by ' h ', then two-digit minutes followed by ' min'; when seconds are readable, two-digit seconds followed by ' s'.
10 h 18 min
